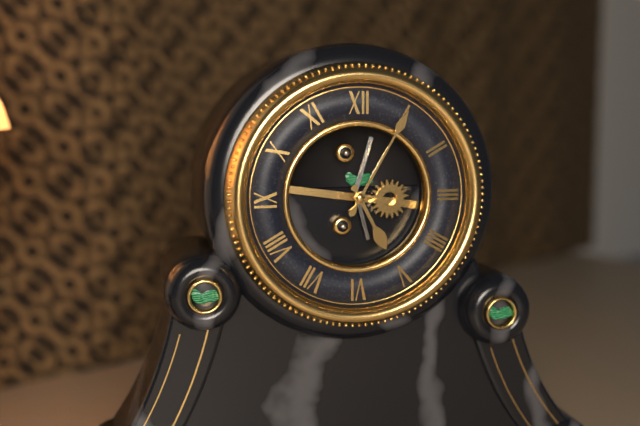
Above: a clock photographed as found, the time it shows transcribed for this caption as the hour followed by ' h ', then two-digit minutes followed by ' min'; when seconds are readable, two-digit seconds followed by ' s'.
5 h 05 min
